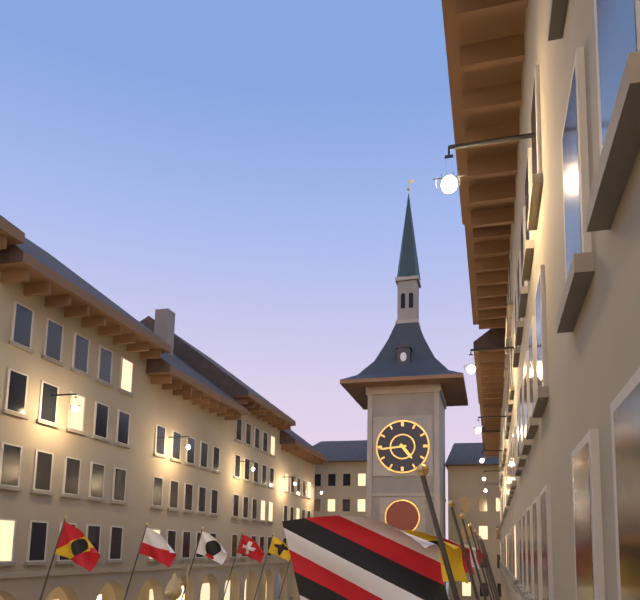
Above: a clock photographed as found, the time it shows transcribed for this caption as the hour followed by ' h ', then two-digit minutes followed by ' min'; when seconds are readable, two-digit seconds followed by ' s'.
4 h 44 min
